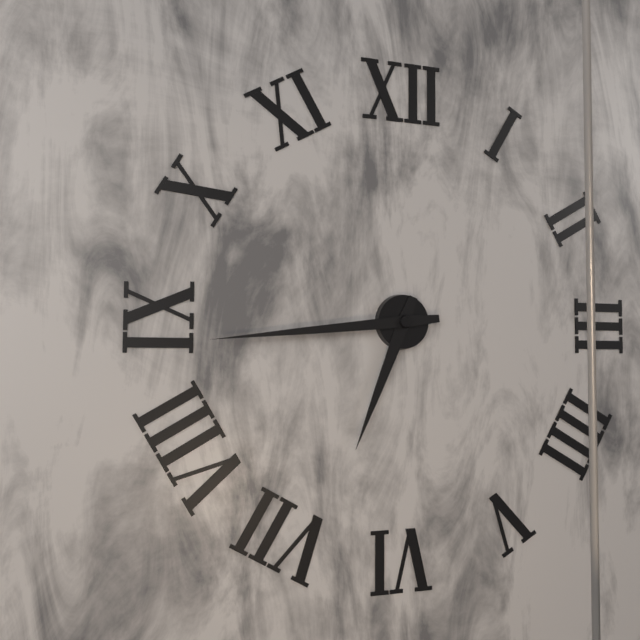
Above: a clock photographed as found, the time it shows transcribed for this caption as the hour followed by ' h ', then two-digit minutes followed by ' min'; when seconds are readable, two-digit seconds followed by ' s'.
6 h 44 min
